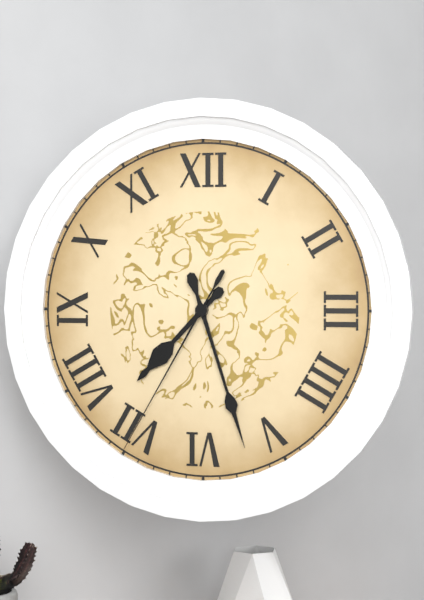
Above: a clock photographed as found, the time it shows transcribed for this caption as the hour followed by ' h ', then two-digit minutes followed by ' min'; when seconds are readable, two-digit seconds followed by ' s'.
7 h 27 min 35 s
